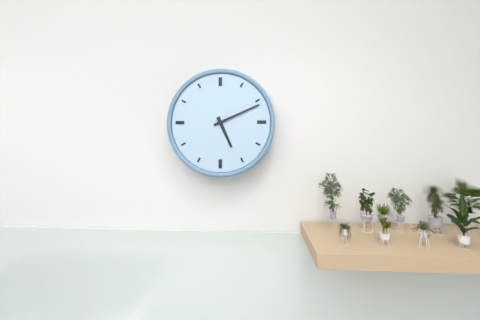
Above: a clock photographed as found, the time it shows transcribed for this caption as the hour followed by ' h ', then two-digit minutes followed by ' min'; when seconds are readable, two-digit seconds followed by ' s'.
5 h 11 min
